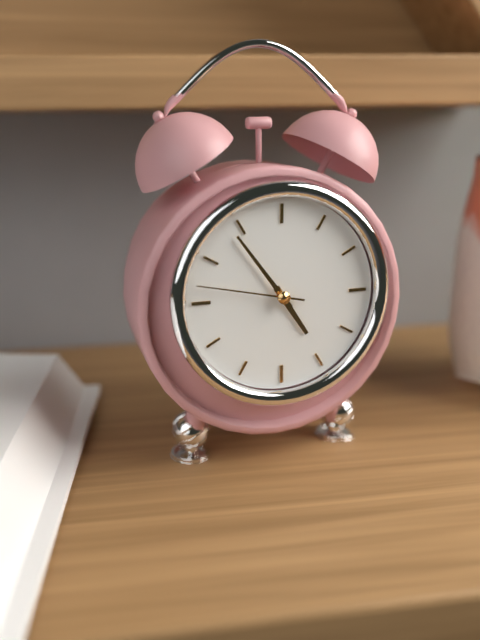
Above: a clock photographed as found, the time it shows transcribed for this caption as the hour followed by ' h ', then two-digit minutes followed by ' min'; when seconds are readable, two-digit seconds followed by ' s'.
4 h 54 min 47 s
